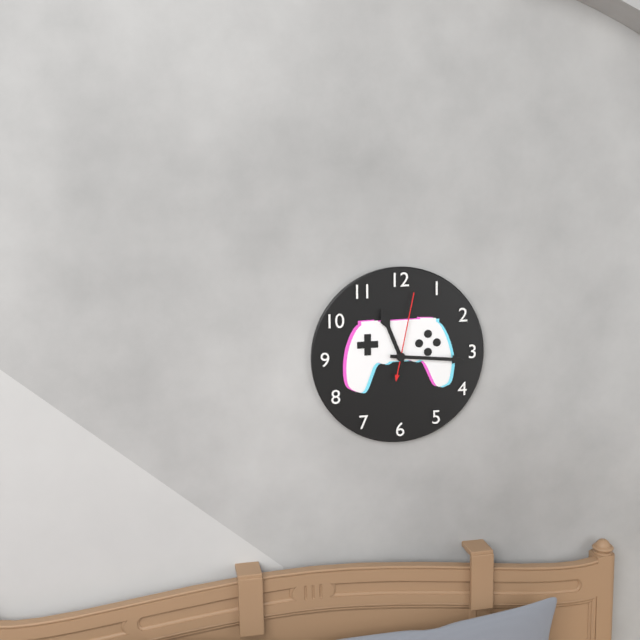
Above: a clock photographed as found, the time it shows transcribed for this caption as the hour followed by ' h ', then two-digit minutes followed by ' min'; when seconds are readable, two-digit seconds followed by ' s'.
11 h 16 min 02 s
